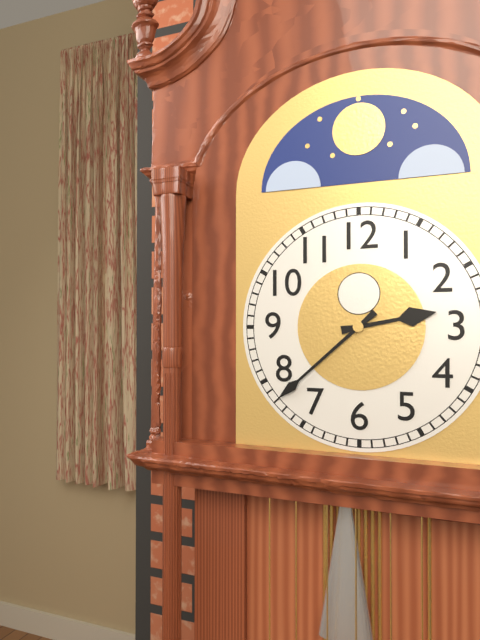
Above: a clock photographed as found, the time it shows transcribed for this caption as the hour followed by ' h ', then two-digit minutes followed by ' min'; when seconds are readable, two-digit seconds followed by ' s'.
2 h 38 min
